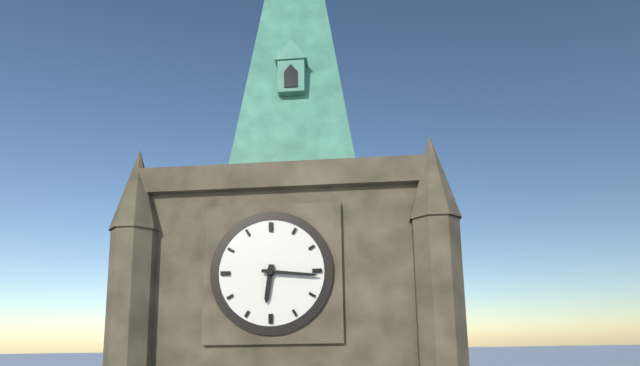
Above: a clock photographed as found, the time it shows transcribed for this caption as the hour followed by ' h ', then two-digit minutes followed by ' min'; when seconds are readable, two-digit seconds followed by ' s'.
6 h 16 min
